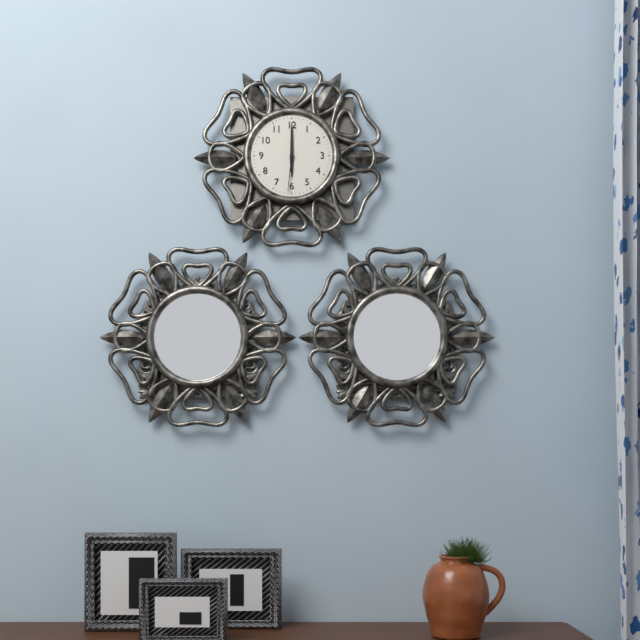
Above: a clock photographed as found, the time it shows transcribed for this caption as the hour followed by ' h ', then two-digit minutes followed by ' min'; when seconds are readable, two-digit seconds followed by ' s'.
6 h 00 min
